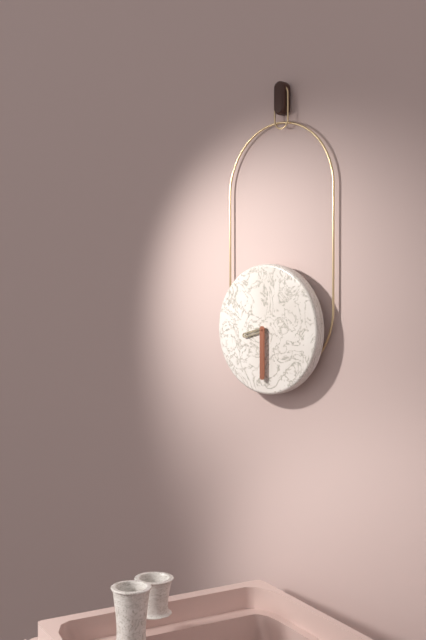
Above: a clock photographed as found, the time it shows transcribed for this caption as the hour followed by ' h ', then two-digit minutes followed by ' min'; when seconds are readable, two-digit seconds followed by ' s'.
8 h 30 min
